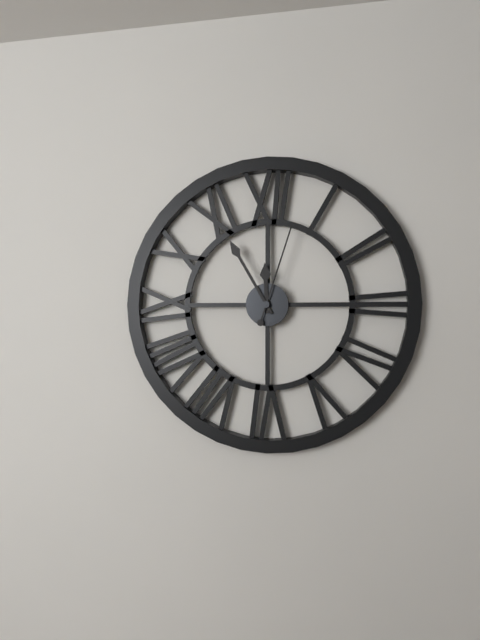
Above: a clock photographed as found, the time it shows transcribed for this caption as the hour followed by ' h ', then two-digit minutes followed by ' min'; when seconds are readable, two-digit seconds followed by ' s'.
11 h 55 min 03 s
